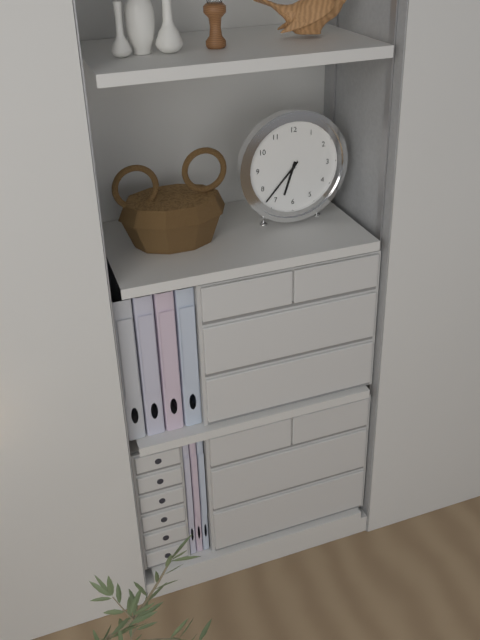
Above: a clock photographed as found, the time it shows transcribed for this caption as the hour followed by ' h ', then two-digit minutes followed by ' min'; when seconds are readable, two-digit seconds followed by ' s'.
6 h 37 min
